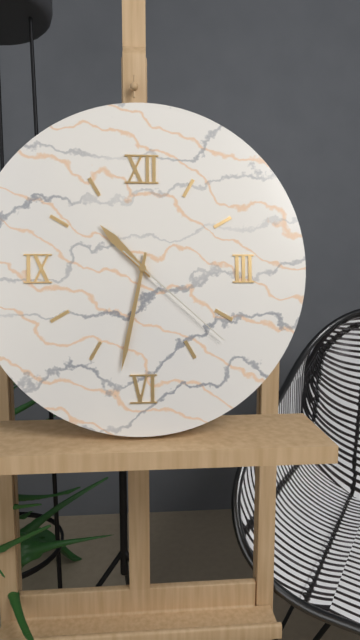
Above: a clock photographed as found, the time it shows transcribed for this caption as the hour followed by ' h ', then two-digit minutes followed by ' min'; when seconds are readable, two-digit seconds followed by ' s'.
10 h 32 min 22 s
